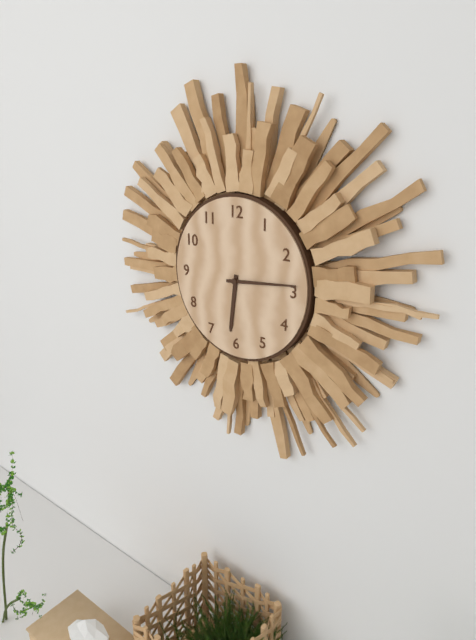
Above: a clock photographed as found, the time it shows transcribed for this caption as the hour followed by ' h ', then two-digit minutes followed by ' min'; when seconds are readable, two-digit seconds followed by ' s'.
6 h 14 min
